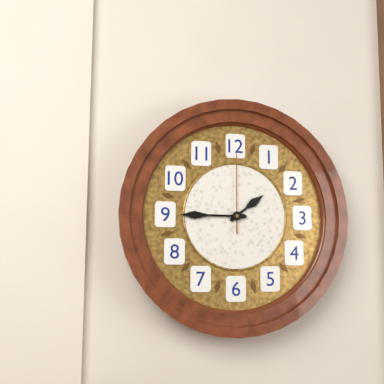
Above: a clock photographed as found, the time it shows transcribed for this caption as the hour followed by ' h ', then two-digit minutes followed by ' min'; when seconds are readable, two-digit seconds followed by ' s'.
1 h 45 min 00 s
